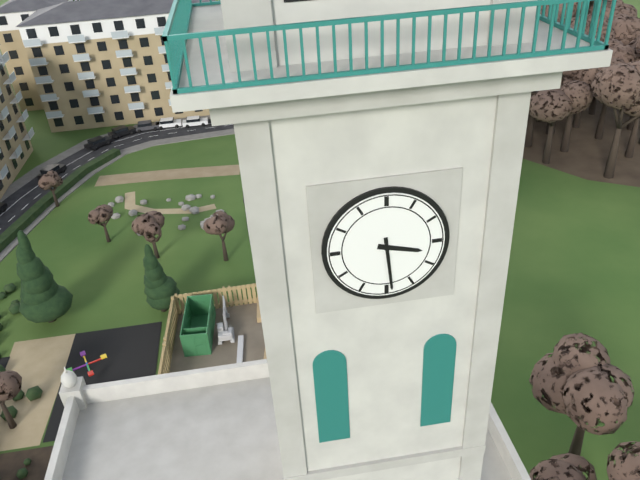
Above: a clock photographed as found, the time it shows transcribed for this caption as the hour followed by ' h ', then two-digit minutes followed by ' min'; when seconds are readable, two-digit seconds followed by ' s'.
3 h 29 min
